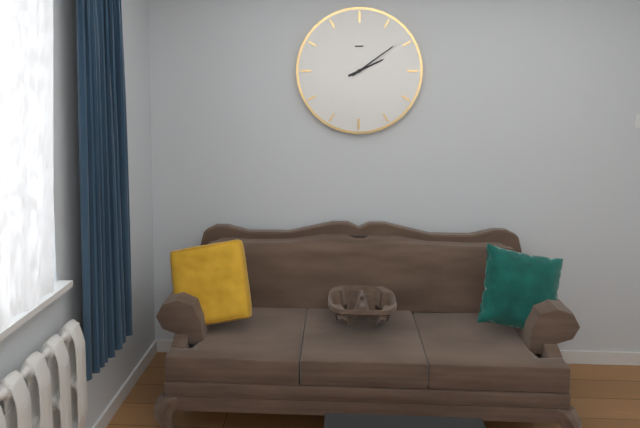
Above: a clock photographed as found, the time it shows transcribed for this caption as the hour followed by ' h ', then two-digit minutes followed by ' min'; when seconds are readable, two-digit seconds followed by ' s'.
2 h 09 min
